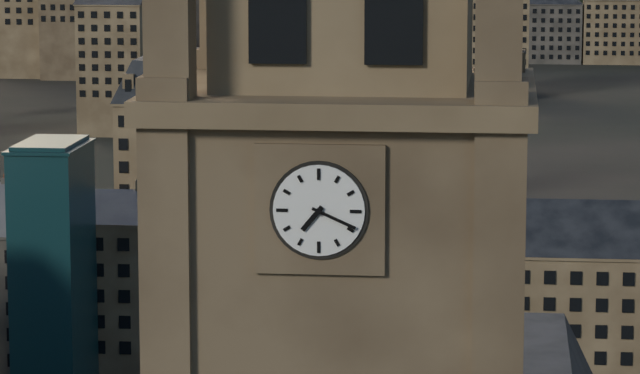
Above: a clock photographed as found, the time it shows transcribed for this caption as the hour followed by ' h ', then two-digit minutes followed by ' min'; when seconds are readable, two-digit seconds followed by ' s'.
7 h 19 min
